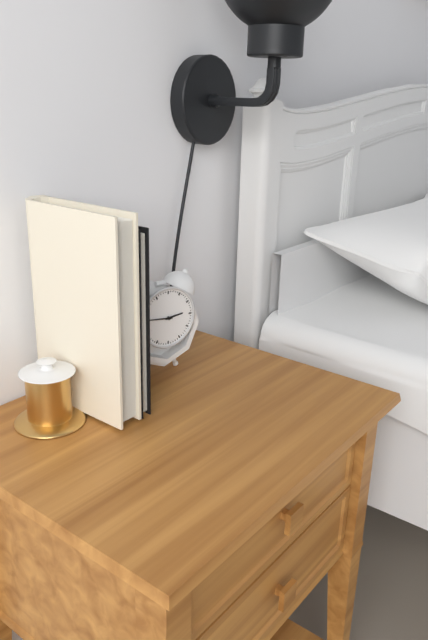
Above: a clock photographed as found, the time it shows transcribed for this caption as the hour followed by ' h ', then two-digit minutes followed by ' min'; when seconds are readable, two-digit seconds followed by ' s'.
2 h 46 min
